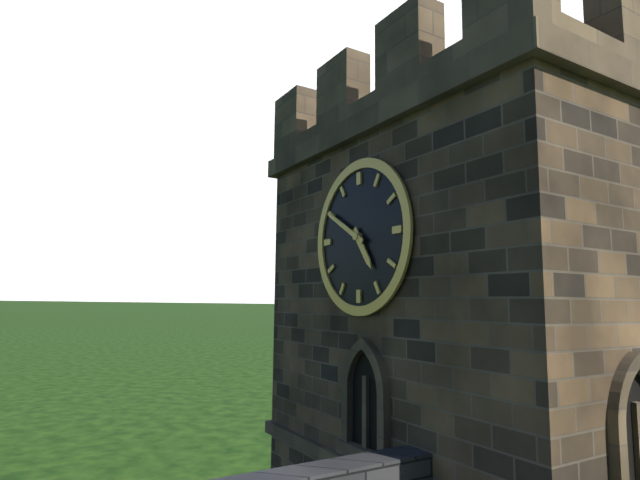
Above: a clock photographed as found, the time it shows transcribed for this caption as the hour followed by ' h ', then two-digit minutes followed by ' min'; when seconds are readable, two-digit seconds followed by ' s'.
4 h 50 min
